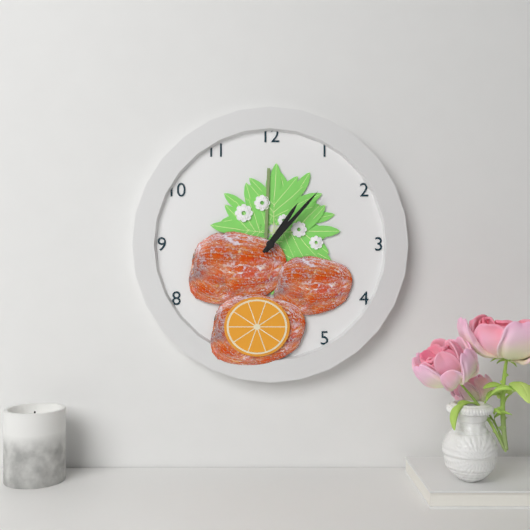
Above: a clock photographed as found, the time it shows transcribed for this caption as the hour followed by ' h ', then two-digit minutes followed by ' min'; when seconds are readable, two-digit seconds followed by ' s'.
1 h 07 min
